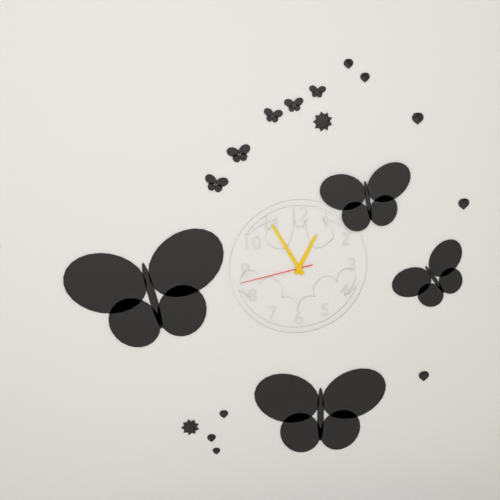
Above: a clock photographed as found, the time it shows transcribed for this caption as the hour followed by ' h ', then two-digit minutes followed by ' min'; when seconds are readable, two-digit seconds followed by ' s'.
12 h 55 min 43 s
